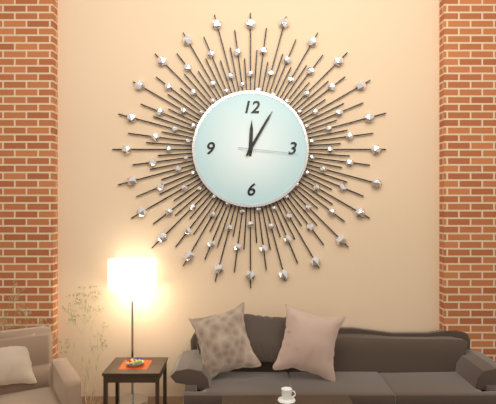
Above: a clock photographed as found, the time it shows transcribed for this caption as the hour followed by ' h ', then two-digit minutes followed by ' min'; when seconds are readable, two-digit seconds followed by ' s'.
12 h 05 min 16 s
